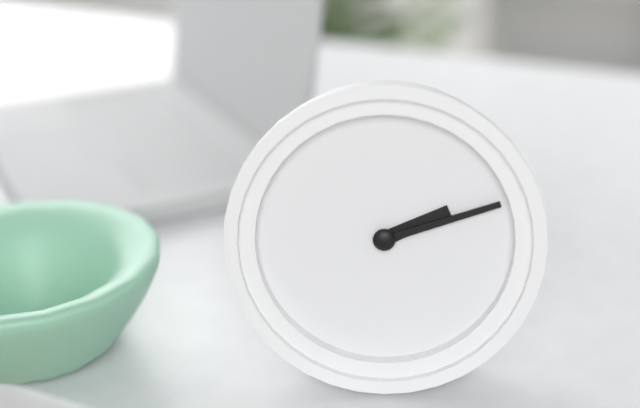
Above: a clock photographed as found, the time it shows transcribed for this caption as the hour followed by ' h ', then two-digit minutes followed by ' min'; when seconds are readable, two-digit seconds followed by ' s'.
2 h 12 min
